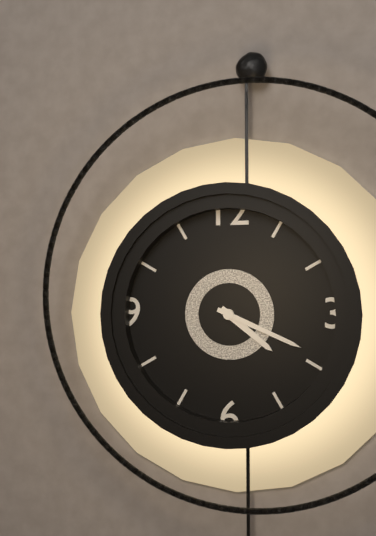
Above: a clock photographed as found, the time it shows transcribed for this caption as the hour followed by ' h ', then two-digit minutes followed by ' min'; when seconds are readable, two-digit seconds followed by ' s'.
4 h 19 min
